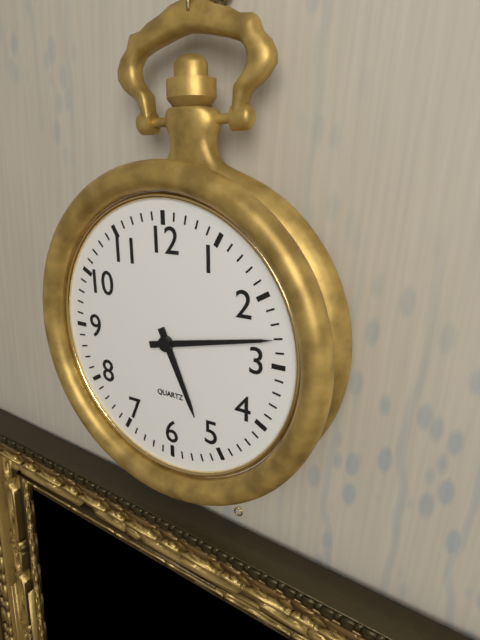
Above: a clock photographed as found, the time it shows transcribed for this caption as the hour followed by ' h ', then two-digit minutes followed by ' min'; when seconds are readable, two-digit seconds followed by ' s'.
5 h 13 min
